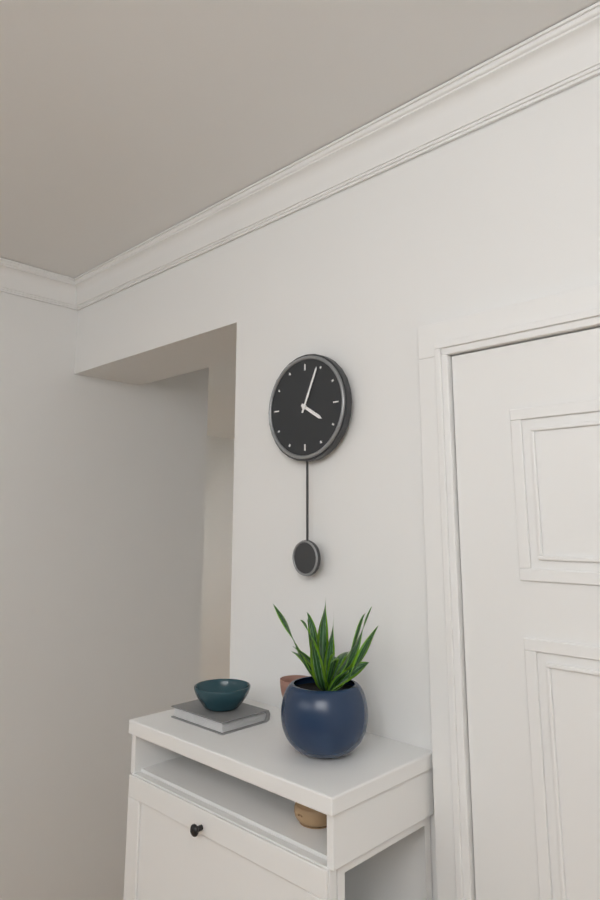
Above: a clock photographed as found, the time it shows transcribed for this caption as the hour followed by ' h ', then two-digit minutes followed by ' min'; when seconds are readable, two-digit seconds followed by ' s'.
4 h 04 min
